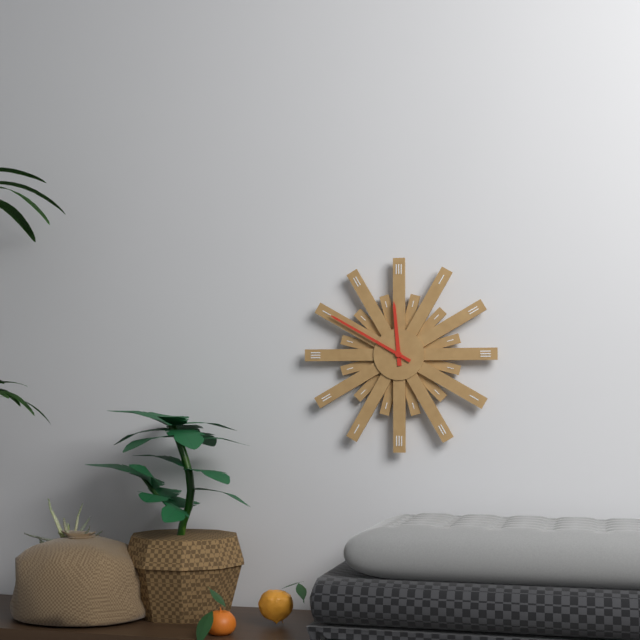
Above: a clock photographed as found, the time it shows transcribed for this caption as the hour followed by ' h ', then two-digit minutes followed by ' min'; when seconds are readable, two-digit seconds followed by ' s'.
11 h 50 min
